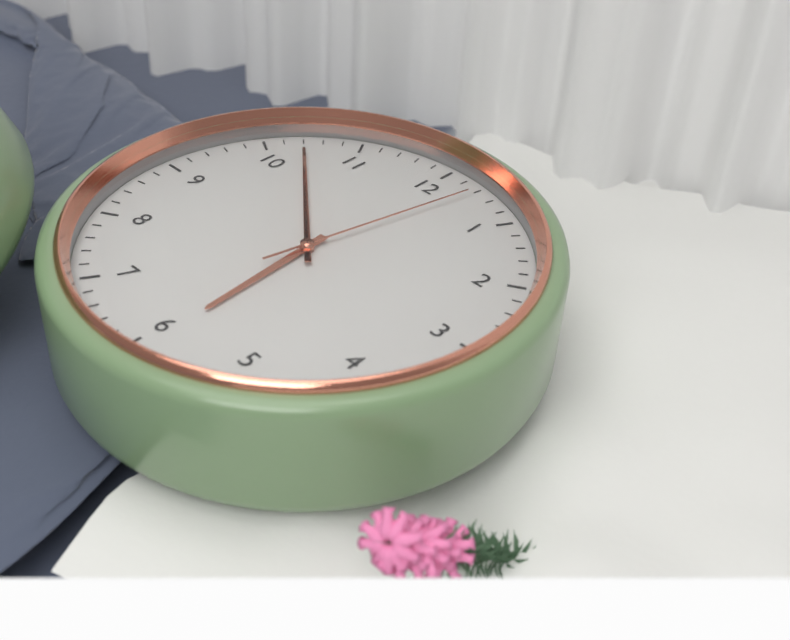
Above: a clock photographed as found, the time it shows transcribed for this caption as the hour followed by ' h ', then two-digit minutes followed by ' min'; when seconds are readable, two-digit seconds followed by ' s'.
5 h 52 min 02 s
